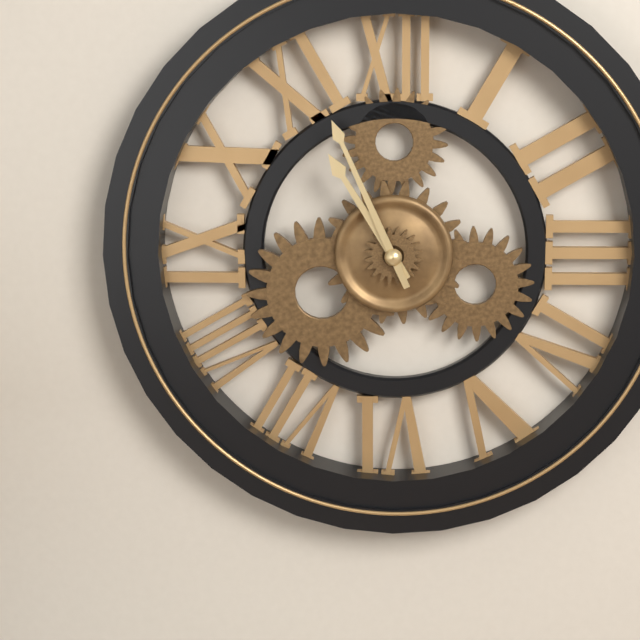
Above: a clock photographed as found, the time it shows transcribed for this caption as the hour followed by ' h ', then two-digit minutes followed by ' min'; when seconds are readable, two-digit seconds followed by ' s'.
10 h 56 min
